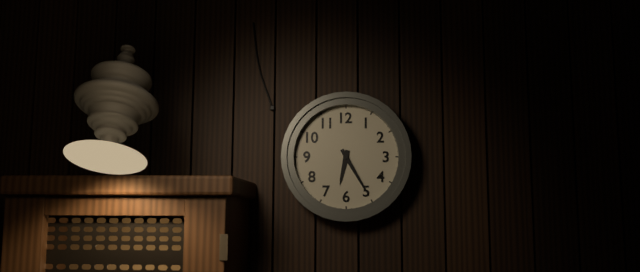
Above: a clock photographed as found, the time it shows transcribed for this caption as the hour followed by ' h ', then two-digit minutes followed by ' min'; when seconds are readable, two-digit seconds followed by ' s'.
6 h 25 min
